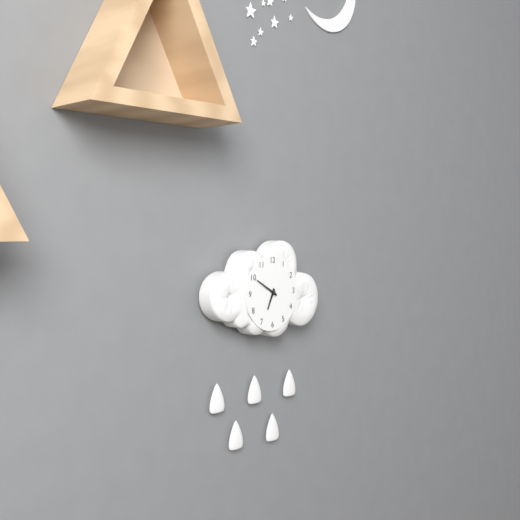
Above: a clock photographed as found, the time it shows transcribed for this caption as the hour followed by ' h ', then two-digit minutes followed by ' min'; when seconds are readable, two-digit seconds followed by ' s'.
6 h 50 min
